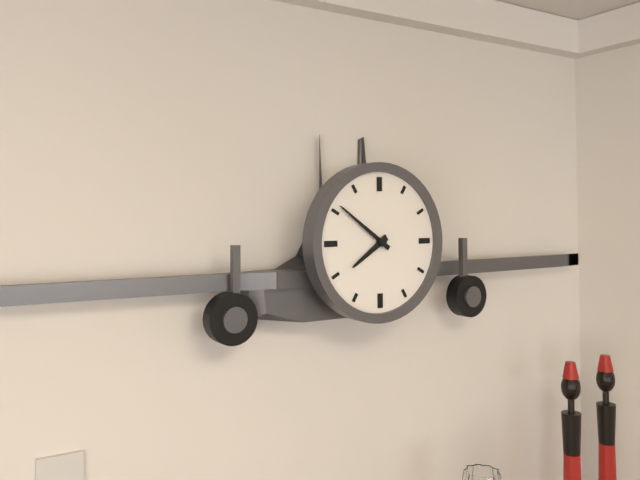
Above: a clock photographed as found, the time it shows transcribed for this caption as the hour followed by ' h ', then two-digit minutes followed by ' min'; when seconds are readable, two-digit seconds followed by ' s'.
7 h 51 min
